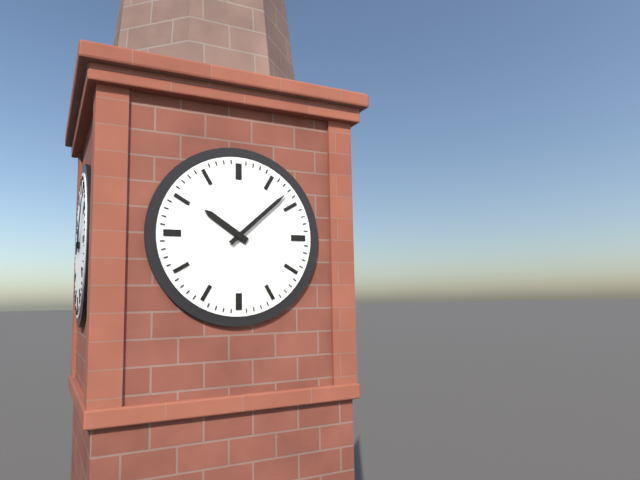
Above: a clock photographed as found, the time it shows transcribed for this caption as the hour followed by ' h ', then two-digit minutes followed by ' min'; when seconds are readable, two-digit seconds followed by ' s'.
10 h 08 min
